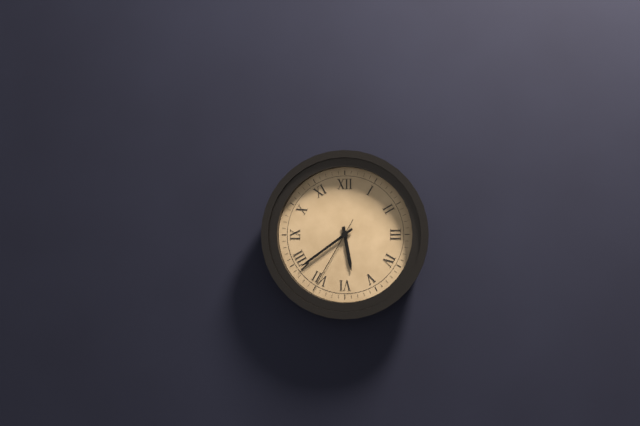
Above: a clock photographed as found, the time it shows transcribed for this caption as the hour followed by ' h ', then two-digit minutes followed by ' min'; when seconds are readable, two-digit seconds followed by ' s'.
5 h 39 min 35 s
